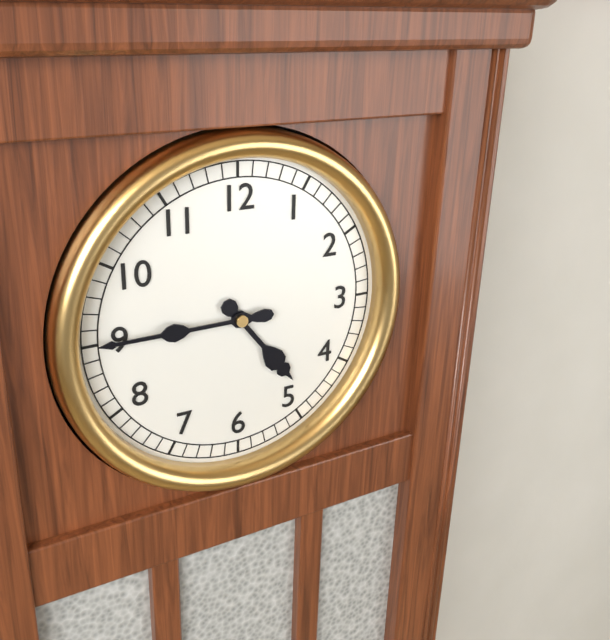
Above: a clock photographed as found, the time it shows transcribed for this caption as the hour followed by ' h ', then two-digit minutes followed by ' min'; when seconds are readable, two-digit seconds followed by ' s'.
4 h 45 min
